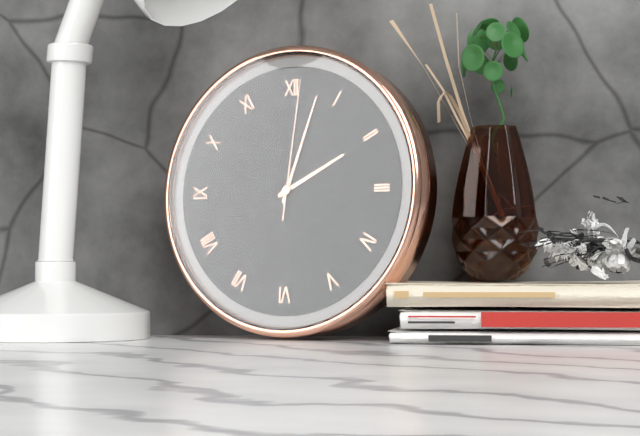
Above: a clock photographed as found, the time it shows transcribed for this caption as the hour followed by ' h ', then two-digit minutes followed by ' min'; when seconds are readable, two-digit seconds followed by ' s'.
2 h 03 min 01 s
